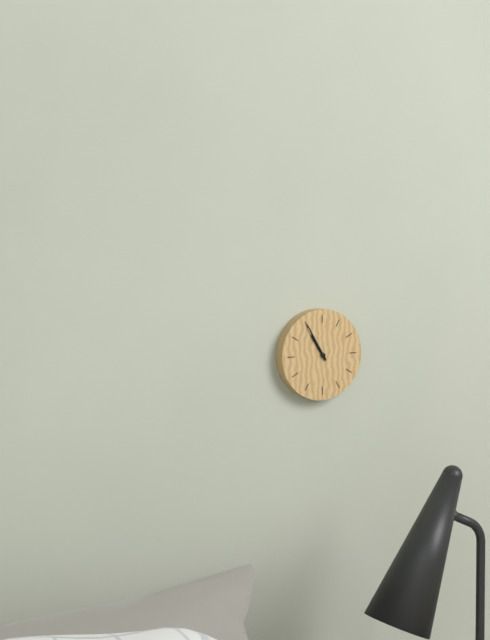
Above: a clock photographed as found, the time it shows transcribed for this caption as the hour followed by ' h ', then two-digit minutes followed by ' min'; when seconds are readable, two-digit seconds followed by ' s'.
10 h 55 min
